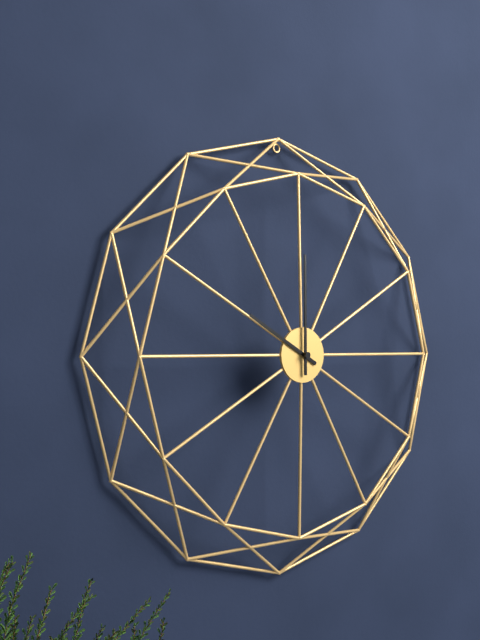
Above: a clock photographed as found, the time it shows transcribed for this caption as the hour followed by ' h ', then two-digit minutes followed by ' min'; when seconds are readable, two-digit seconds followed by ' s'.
10 h 00 min
